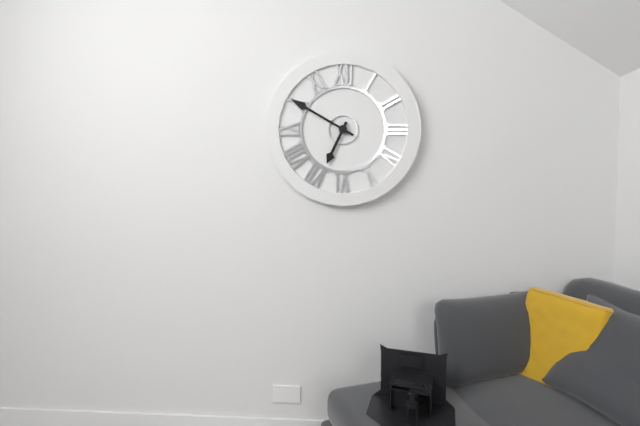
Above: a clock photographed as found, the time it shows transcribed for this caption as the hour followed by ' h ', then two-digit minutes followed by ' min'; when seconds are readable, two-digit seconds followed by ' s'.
6 h 50 min
